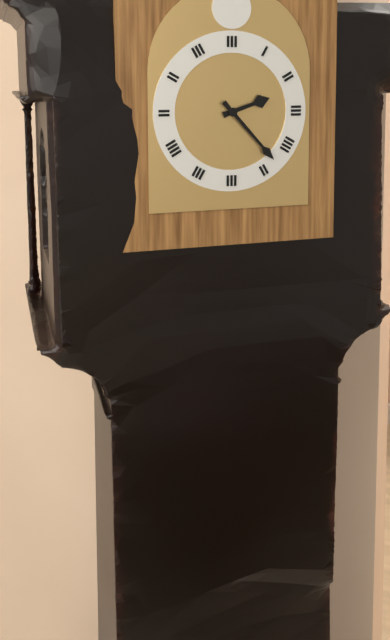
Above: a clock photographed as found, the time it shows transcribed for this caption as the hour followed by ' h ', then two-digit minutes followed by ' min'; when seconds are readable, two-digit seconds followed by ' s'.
2 h 23 min
